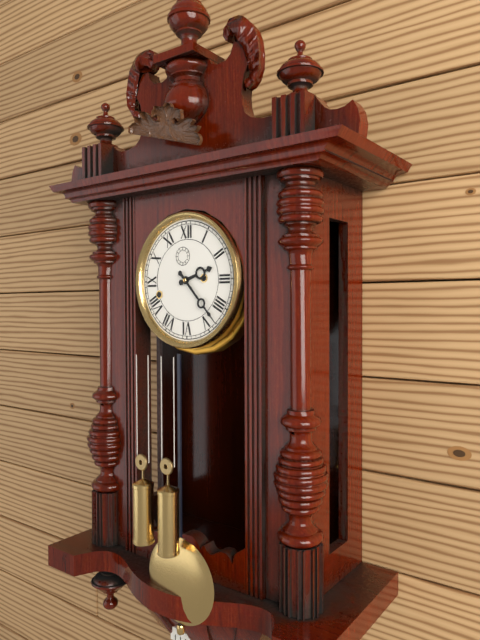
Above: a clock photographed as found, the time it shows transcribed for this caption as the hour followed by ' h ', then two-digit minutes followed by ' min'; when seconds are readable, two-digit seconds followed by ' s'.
2 h 23 min
